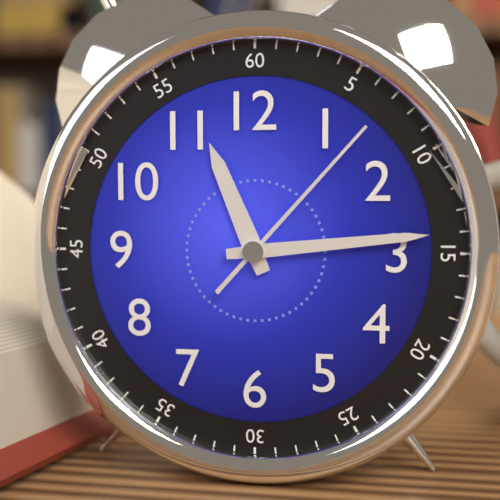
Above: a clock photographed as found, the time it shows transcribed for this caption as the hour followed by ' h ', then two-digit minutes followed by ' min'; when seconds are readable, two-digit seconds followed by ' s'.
11 h 14 min 07 s
